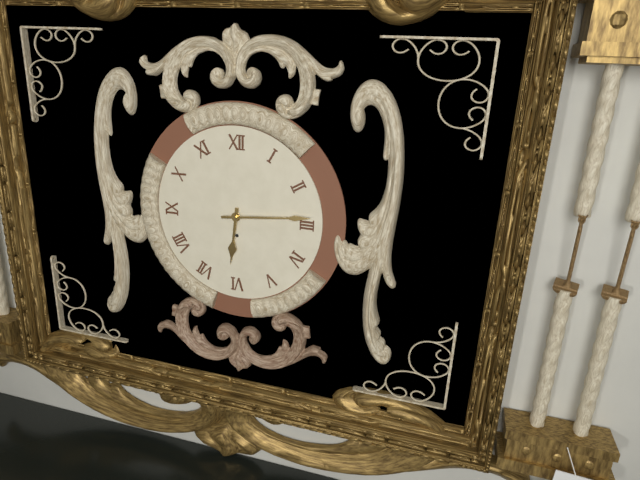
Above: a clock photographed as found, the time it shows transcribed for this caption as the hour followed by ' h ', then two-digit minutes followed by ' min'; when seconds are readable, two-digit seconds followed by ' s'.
6 h 14 min
